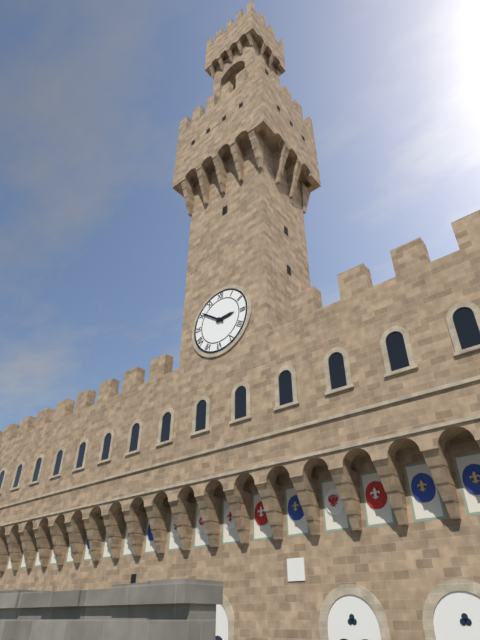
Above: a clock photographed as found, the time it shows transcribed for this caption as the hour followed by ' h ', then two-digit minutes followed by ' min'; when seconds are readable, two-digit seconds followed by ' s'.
2 h 51 min
